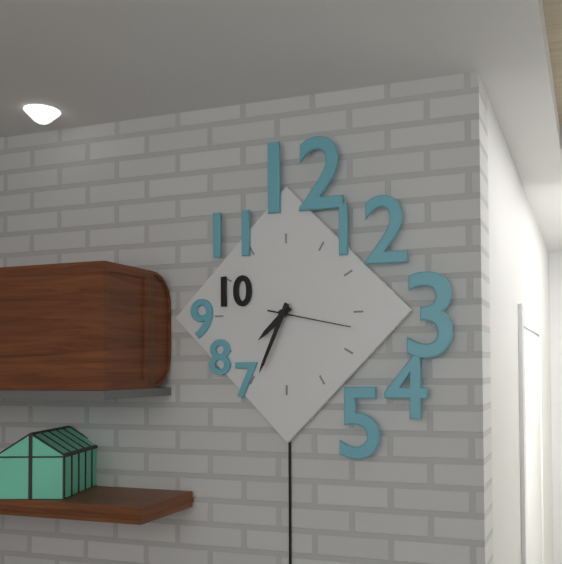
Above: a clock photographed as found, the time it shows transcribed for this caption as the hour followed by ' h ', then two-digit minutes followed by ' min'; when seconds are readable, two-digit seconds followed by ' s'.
7 h 34 min 17 s
